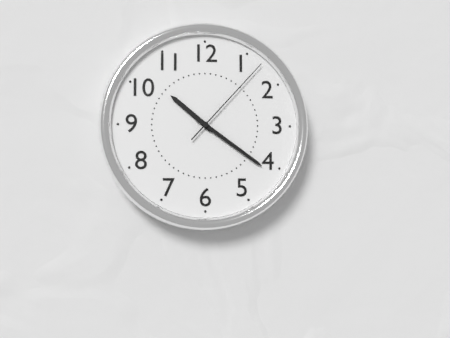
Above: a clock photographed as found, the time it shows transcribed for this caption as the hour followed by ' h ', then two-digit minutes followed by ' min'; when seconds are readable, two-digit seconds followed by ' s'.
10 h 21 min 07 s
